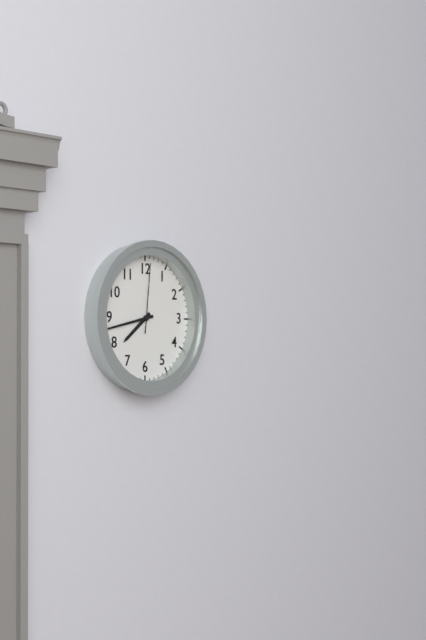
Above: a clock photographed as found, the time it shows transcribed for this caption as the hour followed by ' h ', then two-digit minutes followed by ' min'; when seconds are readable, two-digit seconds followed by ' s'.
7 h 43 min 01 s
